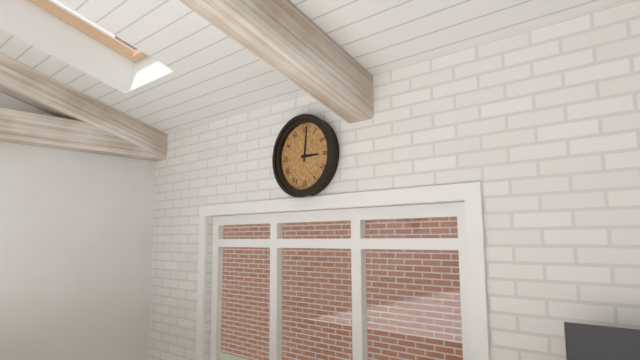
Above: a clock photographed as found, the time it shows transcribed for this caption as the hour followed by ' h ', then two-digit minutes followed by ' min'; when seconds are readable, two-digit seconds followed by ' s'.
3 h 01 min
